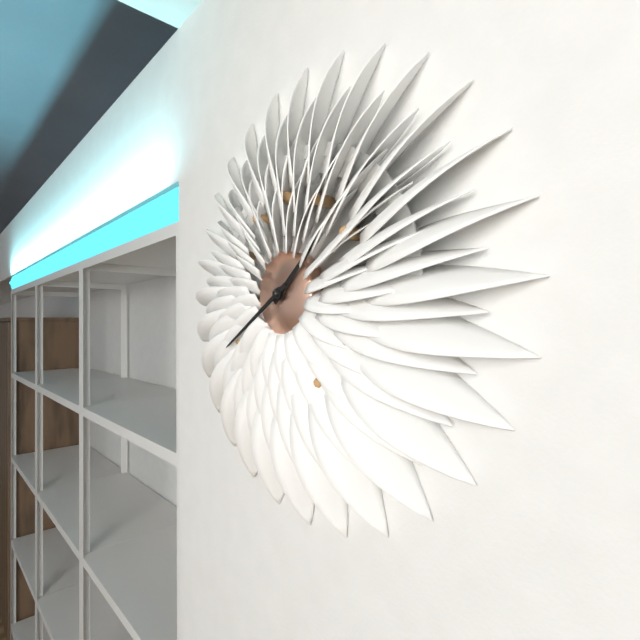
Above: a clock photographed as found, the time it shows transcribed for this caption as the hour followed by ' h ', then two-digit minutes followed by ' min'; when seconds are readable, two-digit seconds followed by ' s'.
1 h 40 min
